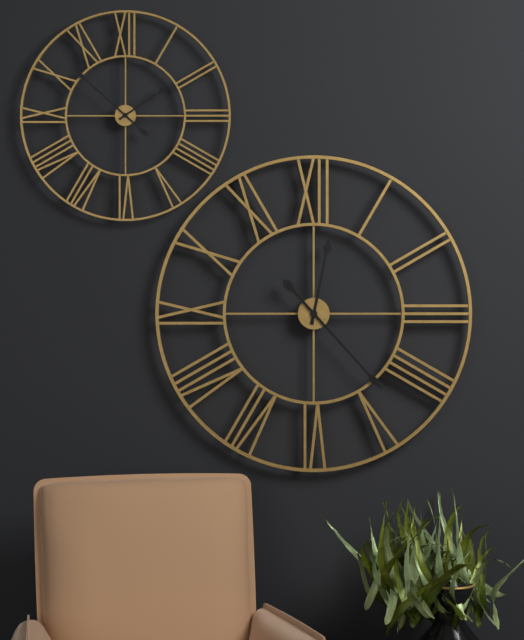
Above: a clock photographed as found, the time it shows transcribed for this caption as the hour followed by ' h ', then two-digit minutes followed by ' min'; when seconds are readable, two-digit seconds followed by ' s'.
12 h 23 min
